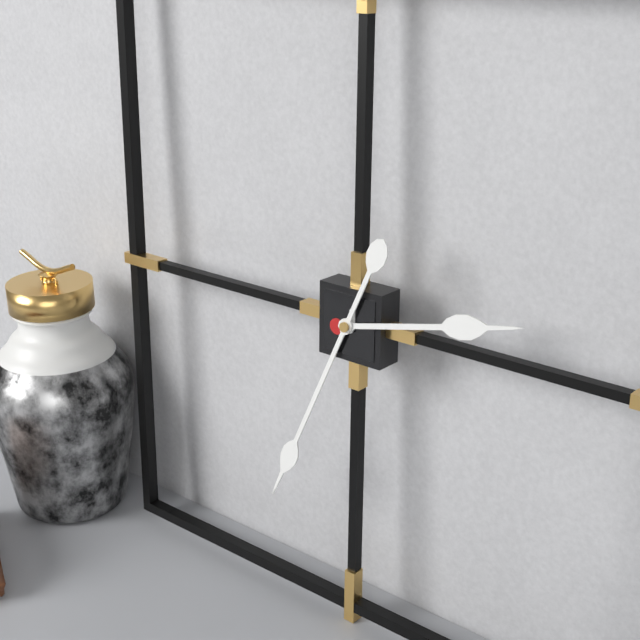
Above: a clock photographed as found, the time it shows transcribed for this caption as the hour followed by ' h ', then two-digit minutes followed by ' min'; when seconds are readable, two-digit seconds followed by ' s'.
2 h 34 min
